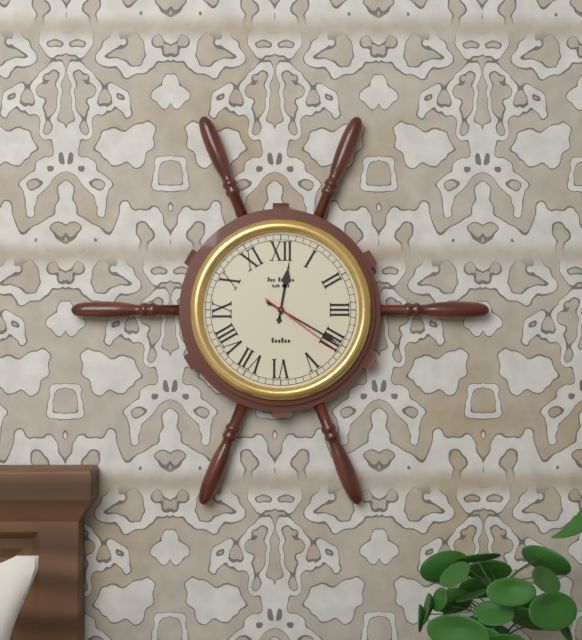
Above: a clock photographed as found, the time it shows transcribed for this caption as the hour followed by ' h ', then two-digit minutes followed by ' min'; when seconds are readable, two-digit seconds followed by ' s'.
12 h 20 min 21 s
